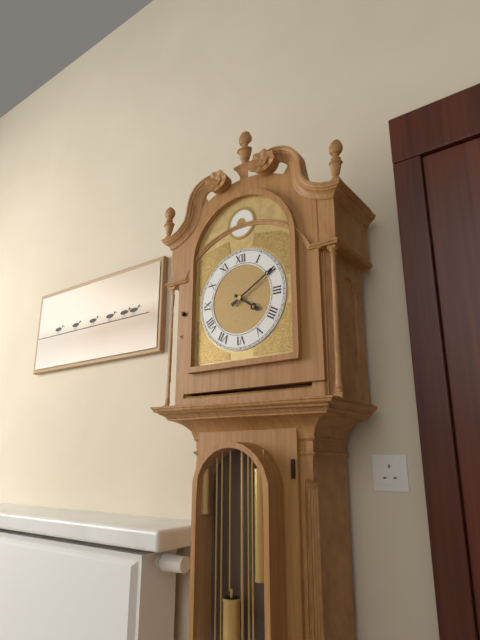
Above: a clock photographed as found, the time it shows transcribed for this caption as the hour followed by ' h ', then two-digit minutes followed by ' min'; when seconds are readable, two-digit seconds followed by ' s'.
4 h 10 min
